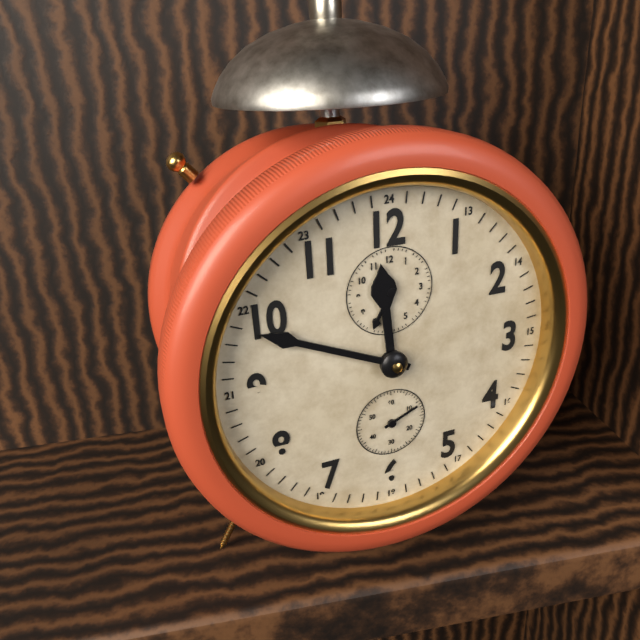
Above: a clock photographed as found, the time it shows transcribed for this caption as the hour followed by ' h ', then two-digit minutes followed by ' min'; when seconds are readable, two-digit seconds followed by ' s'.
11 h 49 min
